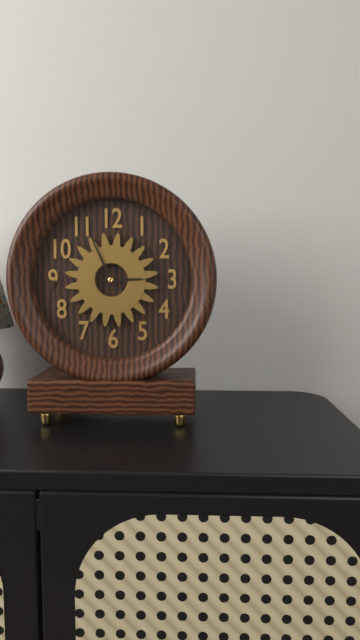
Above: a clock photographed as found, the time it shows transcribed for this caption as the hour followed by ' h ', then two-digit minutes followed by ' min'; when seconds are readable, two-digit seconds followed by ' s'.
2 h 56 min
